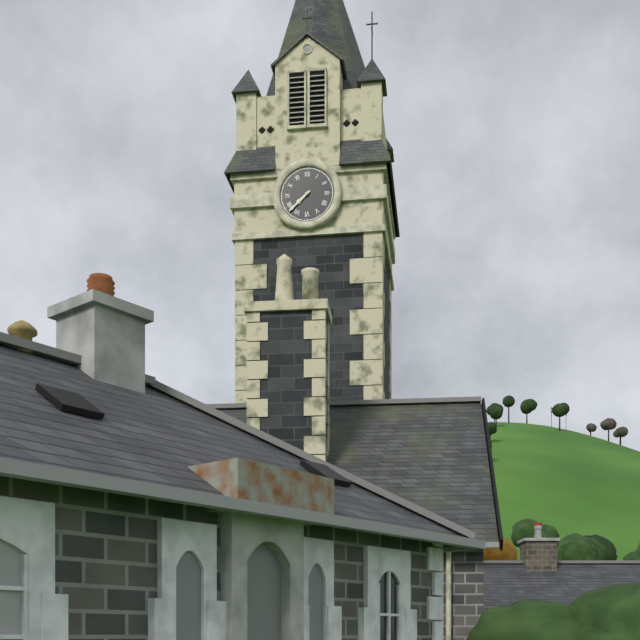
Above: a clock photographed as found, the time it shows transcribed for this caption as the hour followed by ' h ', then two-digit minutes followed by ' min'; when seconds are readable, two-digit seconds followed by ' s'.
7 h 38 min
